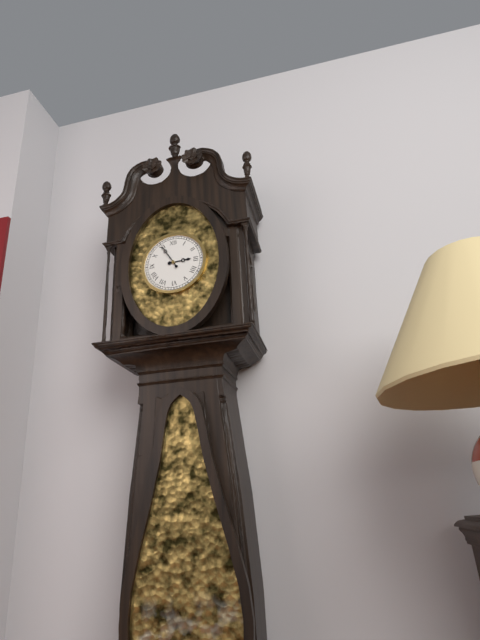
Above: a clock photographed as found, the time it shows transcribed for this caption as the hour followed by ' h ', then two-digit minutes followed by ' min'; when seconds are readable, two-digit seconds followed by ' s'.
2 h 55 min
